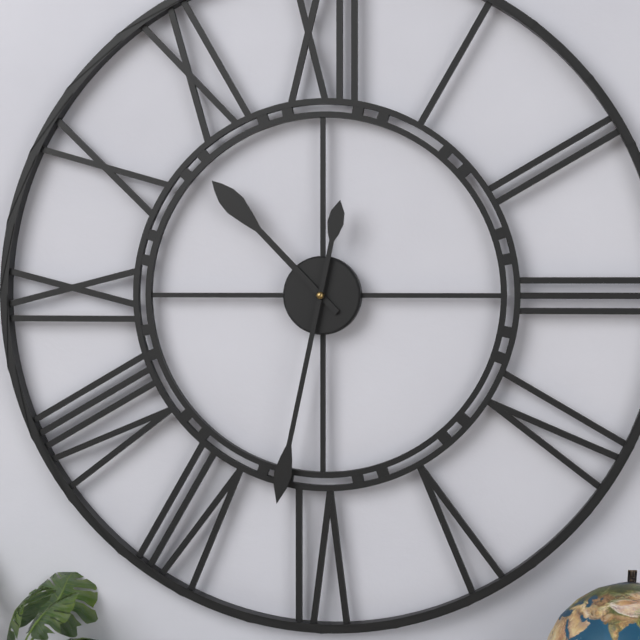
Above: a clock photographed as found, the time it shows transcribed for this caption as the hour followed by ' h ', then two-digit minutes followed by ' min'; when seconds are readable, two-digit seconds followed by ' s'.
10 h 32 min
